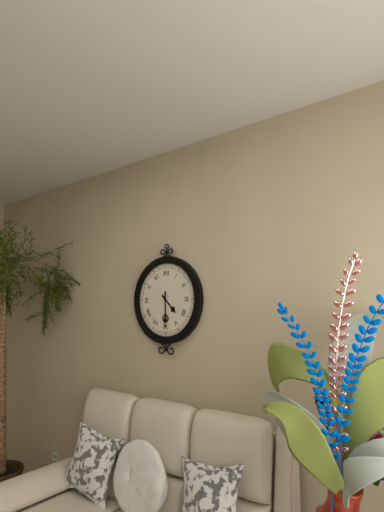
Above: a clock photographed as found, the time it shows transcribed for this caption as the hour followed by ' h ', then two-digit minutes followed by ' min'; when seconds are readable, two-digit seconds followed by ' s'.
4 h 30 min
